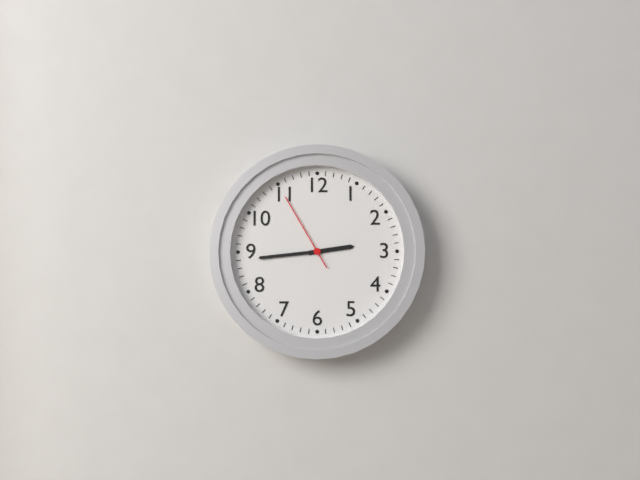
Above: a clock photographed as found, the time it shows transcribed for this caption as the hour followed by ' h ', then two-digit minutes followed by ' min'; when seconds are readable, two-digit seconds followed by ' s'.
2 h 44 min 55 s
